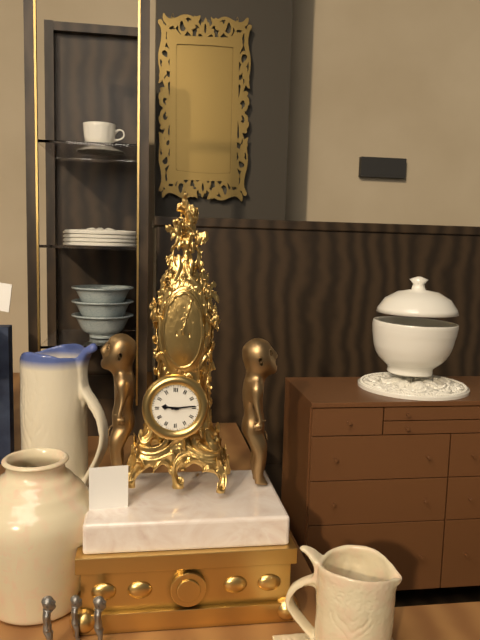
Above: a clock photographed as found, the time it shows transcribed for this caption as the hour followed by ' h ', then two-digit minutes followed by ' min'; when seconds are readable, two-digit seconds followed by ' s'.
9 h 14 min
